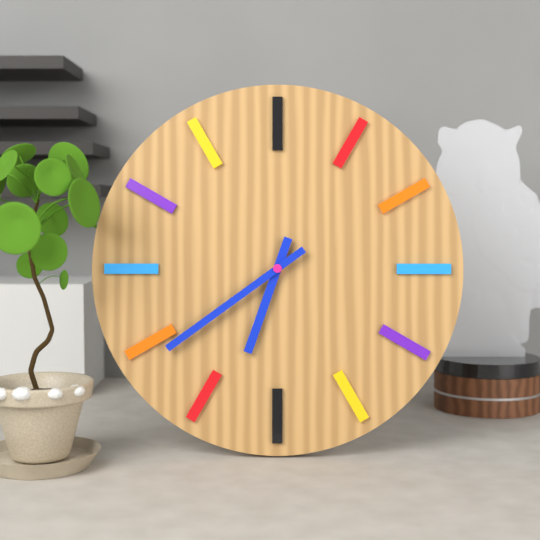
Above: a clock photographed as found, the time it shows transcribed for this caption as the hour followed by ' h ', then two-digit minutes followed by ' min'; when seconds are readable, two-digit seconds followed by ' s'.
6 h 39 min
